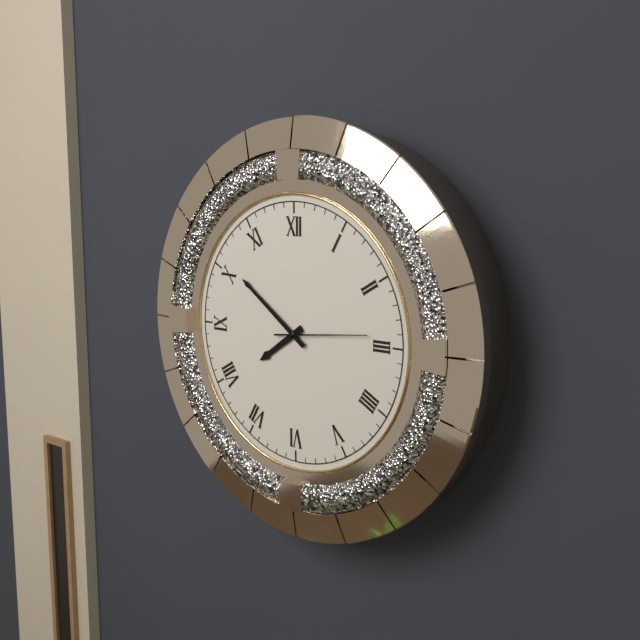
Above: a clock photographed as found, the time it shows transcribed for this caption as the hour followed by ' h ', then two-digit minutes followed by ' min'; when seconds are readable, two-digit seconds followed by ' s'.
7 h 51 min
